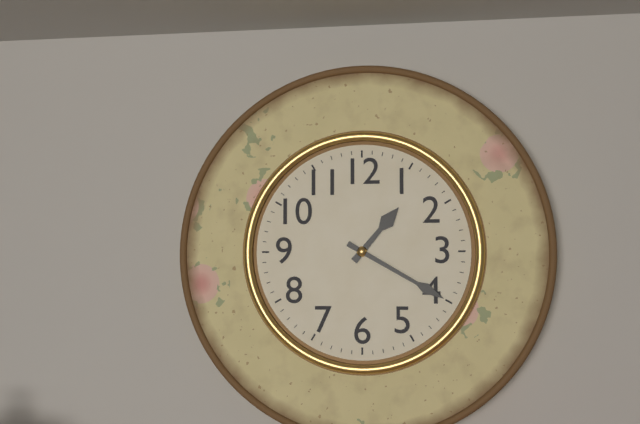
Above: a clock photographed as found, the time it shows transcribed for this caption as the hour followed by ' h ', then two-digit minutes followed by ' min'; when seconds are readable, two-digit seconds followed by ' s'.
1 h 20 min
